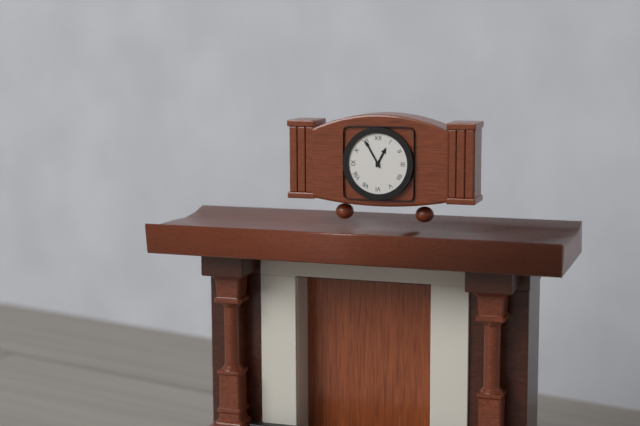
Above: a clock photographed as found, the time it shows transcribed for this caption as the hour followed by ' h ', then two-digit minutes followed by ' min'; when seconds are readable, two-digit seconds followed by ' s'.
12 h 55 min
